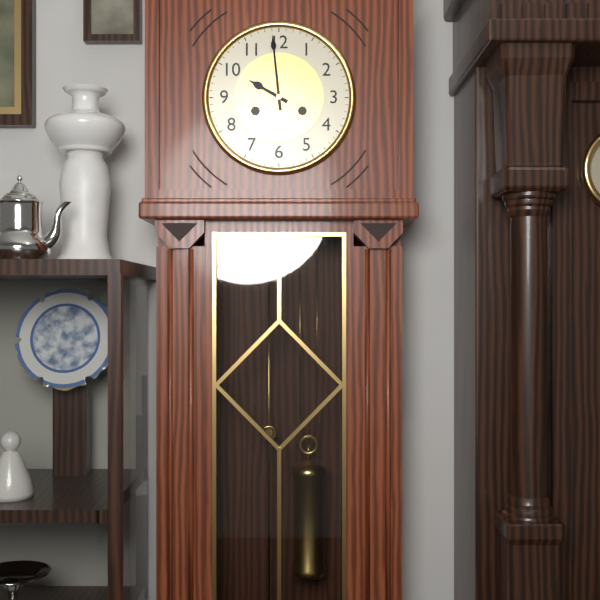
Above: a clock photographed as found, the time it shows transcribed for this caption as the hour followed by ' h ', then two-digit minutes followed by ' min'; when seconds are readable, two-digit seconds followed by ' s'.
9 h 59 min
